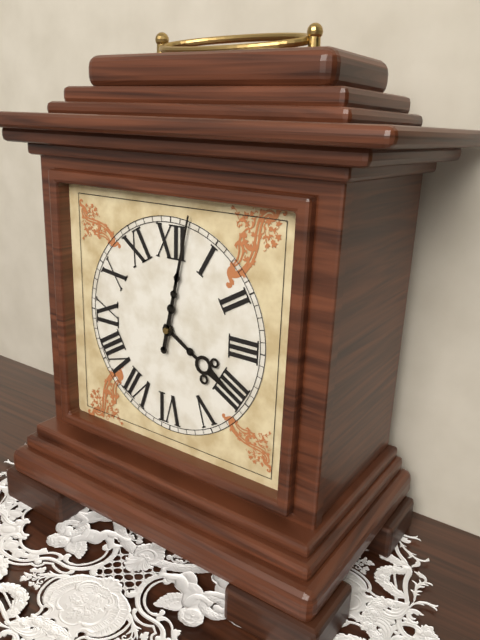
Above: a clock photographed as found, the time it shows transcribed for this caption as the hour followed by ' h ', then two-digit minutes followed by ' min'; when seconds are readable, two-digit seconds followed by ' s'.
4 h 02 min
